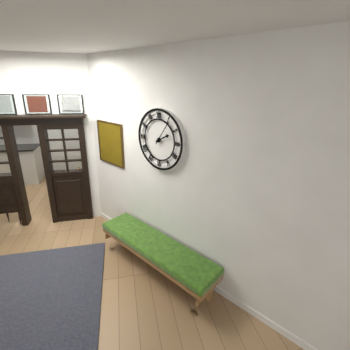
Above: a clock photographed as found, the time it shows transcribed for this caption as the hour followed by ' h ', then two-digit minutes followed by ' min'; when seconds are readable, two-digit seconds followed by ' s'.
2 h 06 min
